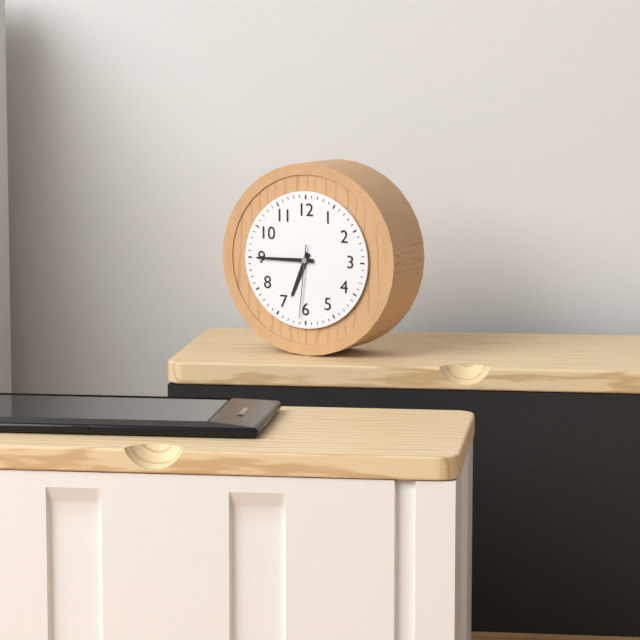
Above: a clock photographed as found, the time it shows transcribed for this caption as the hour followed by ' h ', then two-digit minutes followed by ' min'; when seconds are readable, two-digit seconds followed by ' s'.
6 h 45 min 31 s
